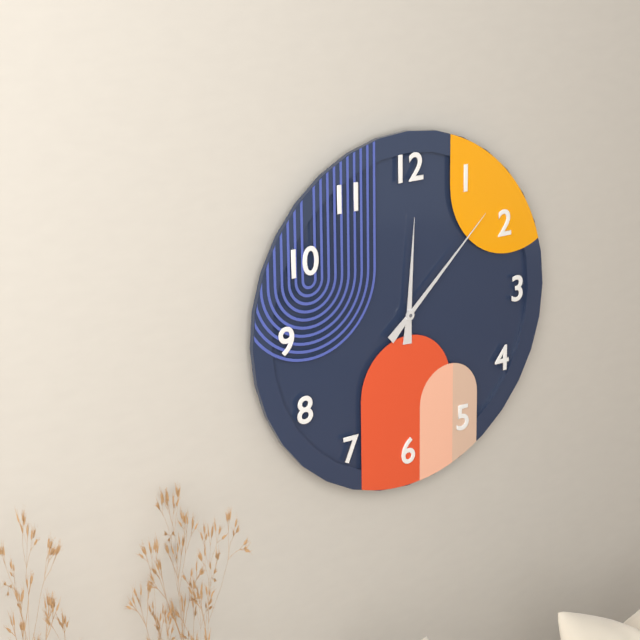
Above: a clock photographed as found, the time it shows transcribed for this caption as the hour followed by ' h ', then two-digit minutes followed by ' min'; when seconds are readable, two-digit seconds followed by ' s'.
12 h 08 min
